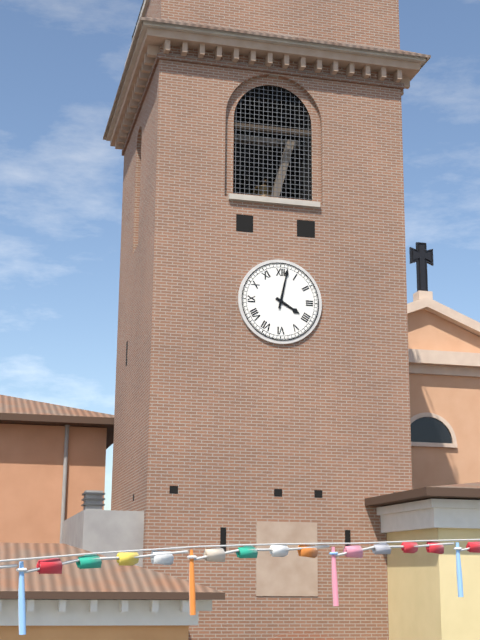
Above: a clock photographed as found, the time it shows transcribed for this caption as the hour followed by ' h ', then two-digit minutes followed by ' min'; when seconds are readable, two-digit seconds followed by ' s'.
4 h 02 min
